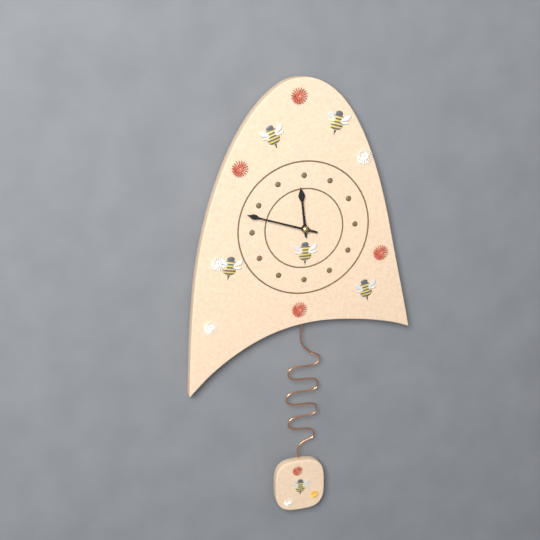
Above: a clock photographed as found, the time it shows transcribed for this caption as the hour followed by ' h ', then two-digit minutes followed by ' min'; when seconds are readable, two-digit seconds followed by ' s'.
11 h 48 min
